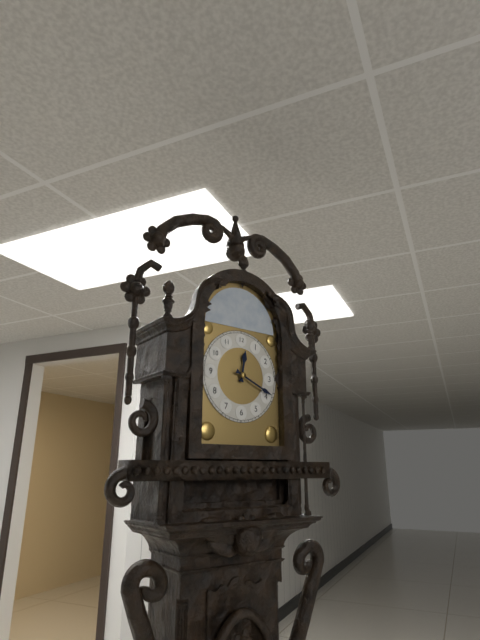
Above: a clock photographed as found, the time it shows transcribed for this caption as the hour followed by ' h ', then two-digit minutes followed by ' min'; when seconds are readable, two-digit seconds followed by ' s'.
12 h 19 min
